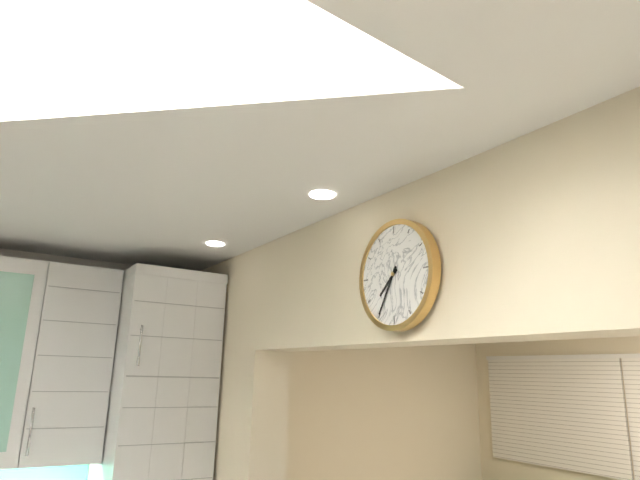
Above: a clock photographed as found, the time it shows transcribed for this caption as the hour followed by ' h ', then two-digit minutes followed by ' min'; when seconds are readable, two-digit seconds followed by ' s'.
7 h 35 min
